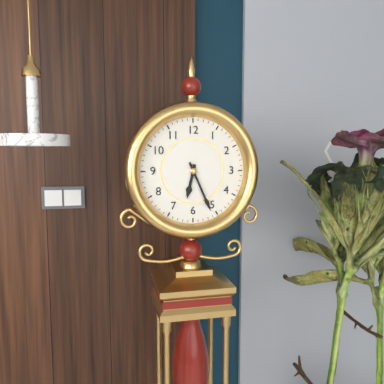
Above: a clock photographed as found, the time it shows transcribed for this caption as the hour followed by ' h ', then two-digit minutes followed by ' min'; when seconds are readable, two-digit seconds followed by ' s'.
6 h 26 min
